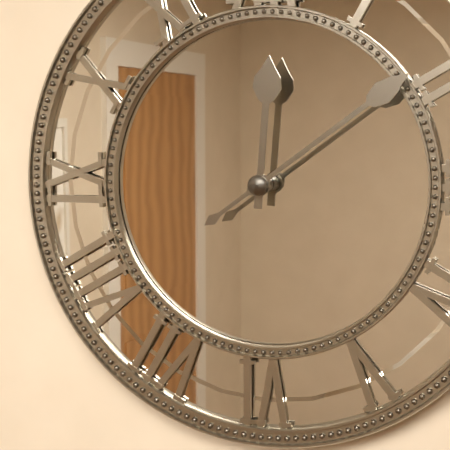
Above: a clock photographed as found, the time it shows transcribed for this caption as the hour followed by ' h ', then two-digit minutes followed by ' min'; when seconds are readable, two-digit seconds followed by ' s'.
12 h 09 min
